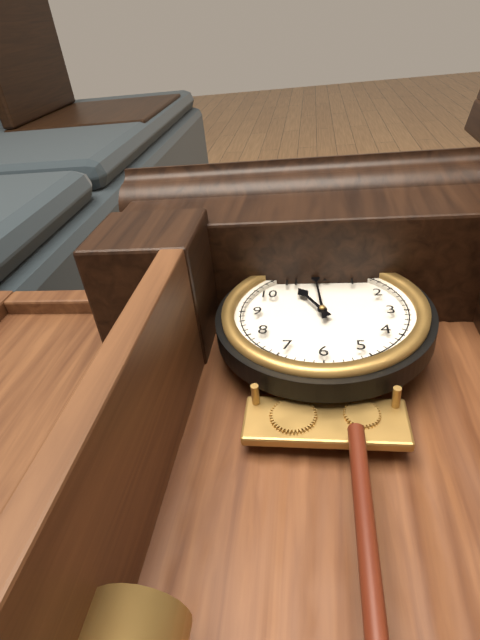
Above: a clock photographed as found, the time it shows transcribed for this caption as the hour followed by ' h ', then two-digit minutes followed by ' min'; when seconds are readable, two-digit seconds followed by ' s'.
10 h 59 min
